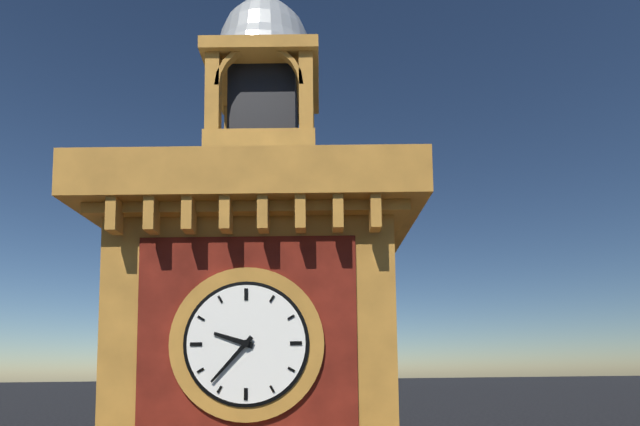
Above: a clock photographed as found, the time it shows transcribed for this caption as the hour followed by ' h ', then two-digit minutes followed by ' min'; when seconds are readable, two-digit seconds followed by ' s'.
9 h 37 min
